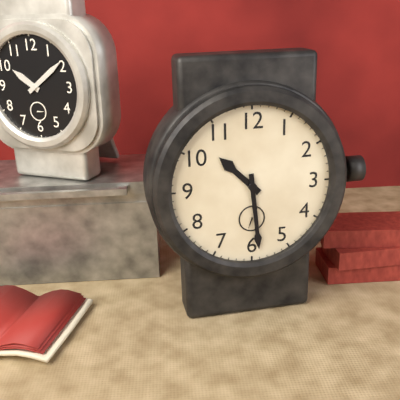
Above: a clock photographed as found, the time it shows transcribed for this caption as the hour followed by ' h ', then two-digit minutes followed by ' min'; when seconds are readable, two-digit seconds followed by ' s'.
10 h 29 min
